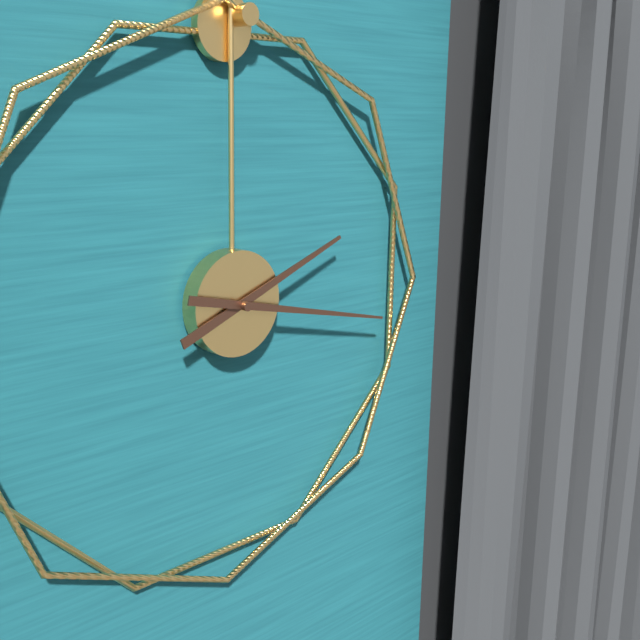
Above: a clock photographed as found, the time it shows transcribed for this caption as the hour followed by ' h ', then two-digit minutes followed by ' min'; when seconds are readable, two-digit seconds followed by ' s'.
2 h 17 min
